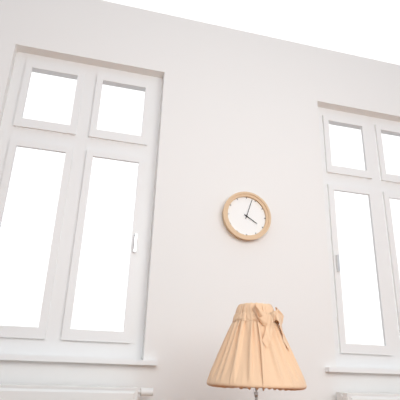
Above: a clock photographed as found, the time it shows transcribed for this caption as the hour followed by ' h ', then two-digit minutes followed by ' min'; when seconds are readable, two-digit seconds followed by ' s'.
4 h 03 min
